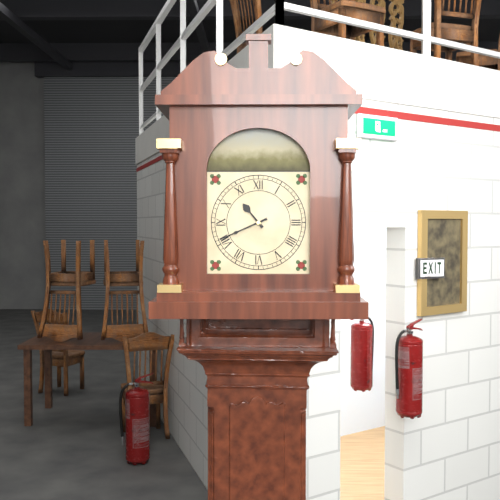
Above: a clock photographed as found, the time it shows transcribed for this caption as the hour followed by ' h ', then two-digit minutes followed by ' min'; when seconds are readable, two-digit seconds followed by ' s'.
10 h 41 min
